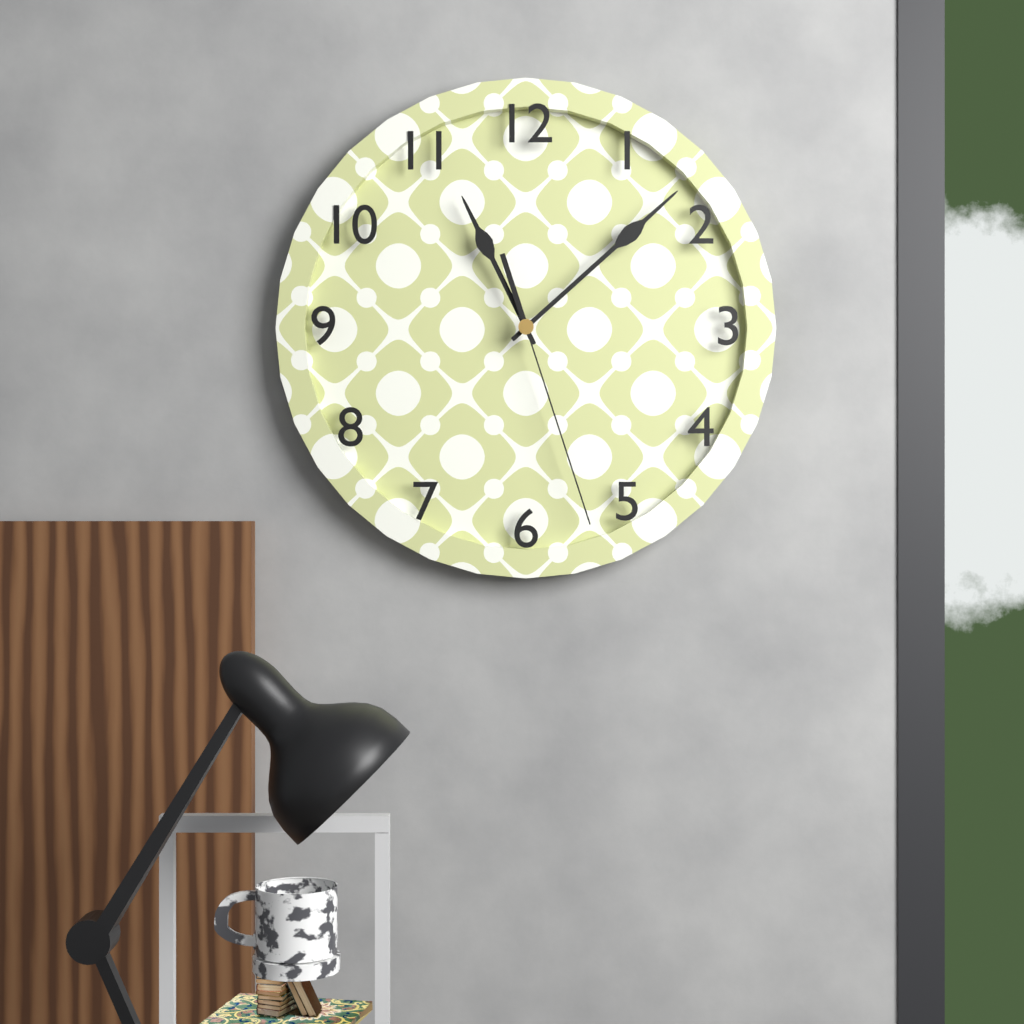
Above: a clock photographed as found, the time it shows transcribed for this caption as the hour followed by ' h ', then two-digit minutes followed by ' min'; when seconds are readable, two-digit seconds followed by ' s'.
11 h 08 min 27 s
